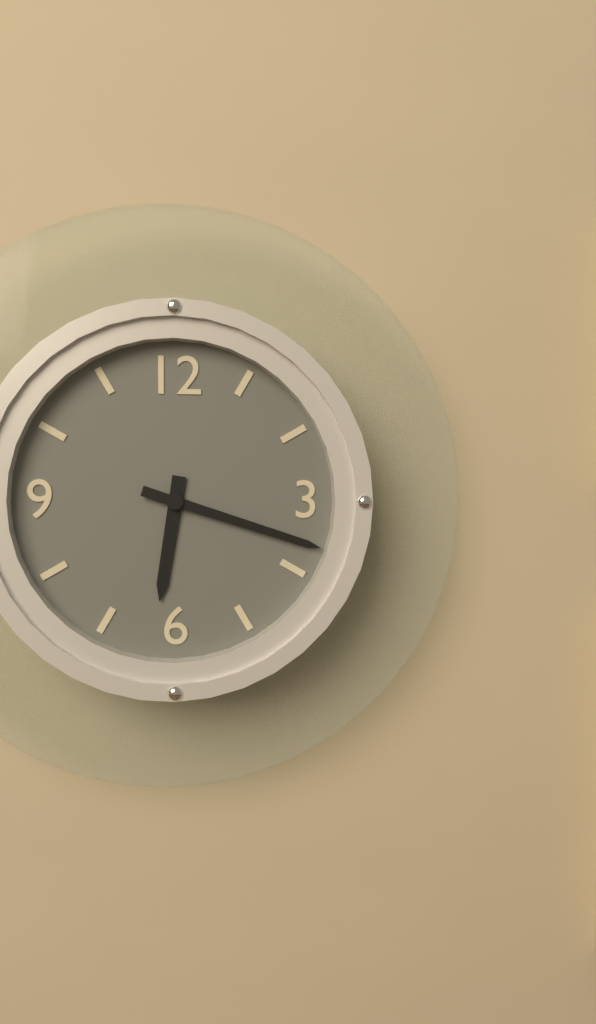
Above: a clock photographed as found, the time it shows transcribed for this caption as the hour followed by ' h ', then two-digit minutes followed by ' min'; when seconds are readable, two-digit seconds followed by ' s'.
6 h 18 min
